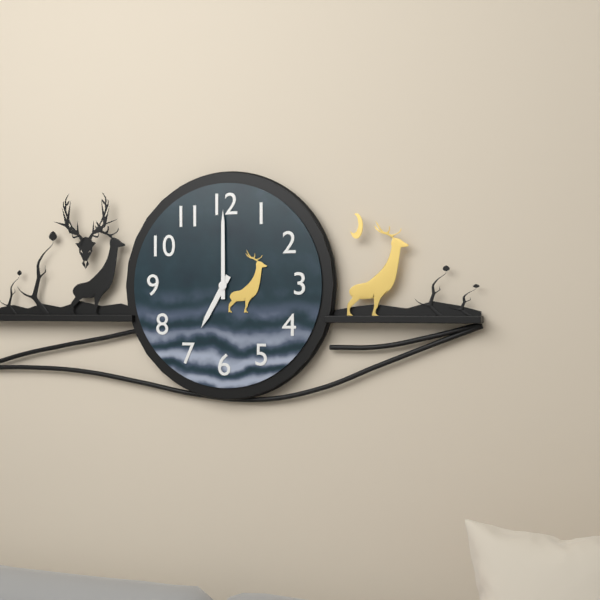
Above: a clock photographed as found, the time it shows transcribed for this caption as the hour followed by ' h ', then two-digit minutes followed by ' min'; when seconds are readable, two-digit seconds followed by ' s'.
7 h 00 min
